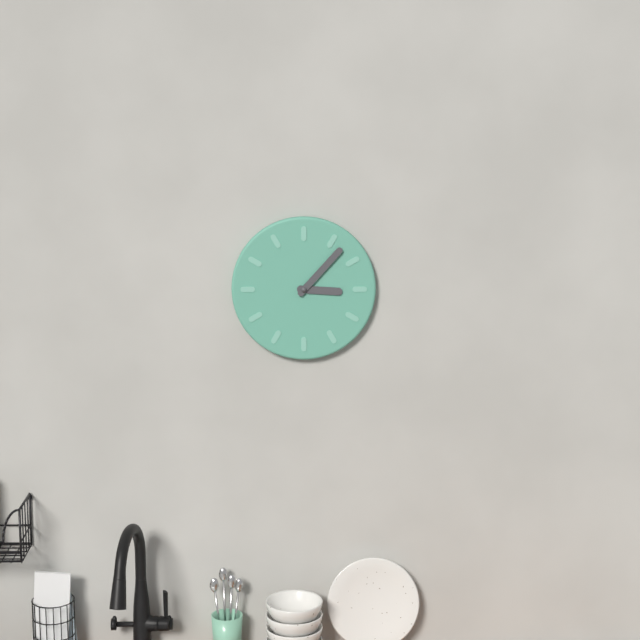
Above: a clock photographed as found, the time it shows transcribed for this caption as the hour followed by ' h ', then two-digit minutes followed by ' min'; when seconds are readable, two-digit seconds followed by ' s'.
3 h 07 min
